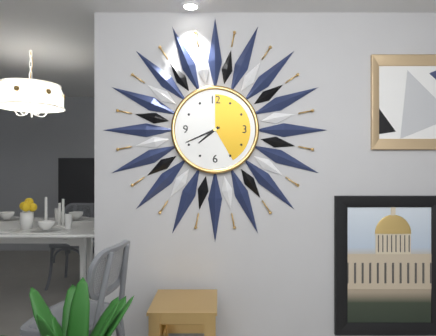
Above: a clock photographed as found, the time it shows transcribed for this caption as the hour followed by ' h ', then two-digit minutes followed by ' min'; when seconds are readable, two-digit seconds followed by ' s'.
7 h 41 min
